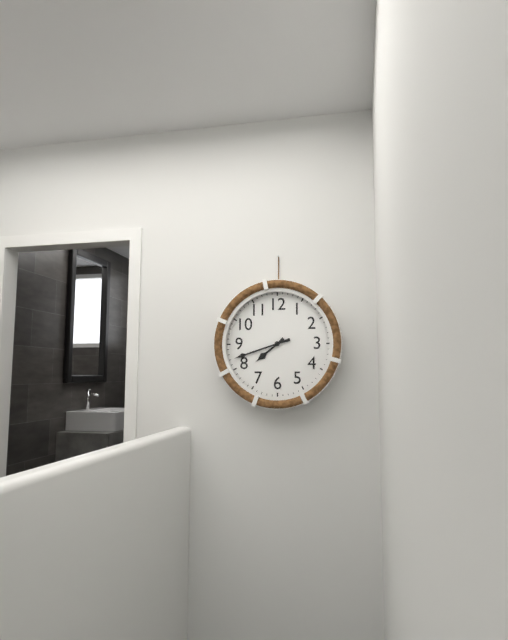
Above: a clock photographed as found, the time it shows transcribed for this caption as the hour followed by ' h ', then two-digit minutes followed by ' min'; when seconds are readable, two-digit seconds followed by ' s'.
7 h 42 min
